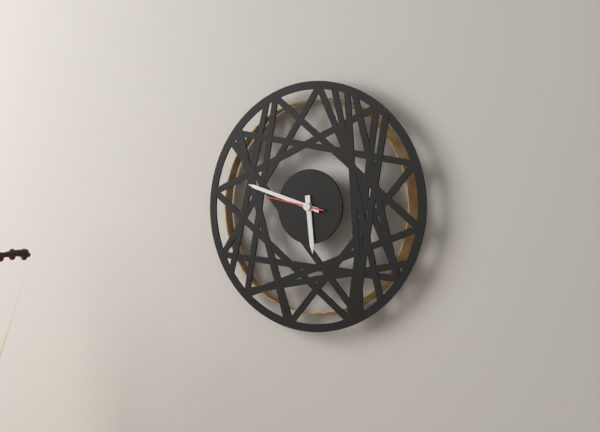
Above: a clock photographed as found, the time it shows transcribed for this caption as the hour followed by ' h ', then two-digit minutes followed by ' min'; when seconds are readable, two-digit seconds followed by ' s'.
5 h 48 min 47 s
